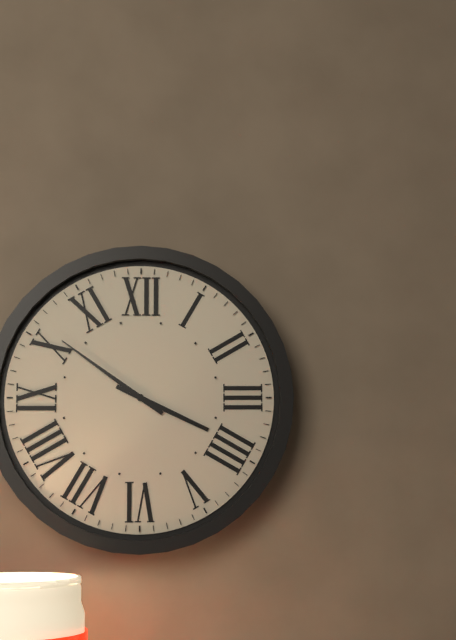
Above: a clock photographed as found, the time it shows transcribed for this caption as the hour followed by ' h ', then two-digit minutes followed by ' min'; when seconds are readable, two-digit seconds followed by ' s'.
3 h 51 min
